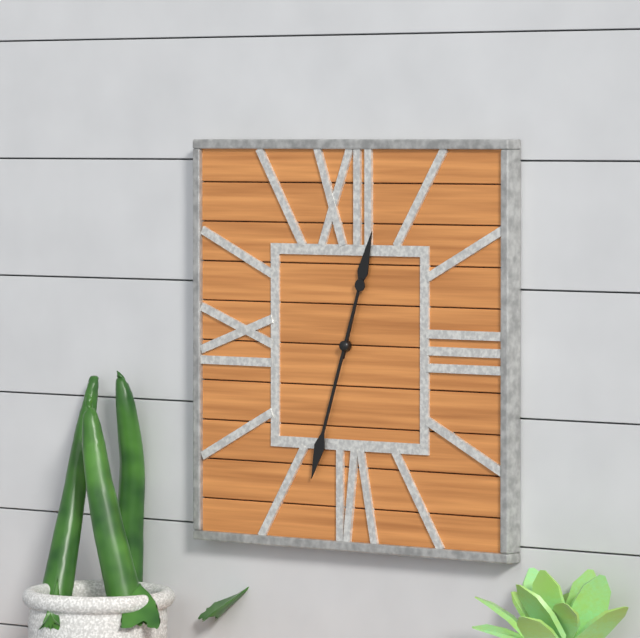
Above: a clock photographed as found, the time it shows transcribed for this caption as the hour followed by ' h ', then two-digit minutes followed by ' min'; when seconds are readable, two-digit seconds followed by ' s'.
12 h 33 min
